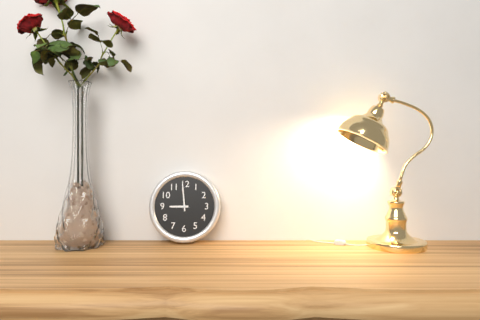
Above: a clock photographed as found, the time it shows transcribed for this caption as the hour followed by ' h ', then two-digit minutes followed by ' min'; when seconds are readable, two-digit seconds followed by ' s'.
8 h 59 min
